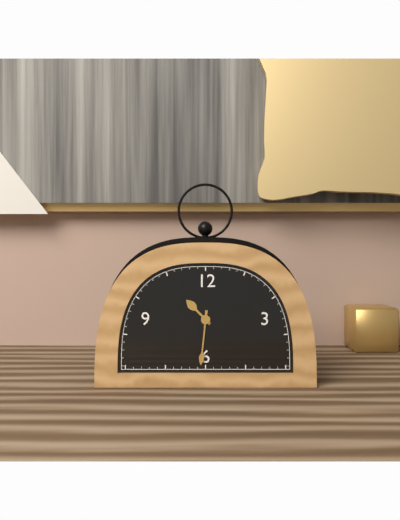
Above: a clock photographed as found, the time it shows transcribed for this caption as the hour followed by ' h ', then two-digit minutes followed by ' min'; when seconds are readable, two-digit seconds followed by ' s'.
10 h 31 min
